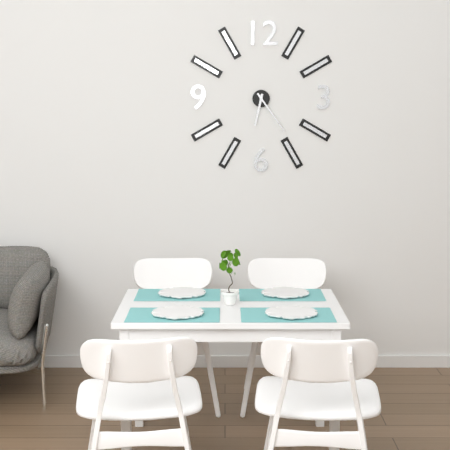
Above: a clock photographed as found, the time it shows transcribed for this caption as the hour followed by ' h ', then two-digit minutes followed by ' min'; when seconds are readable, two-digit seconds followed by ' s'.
6 h 24 min
